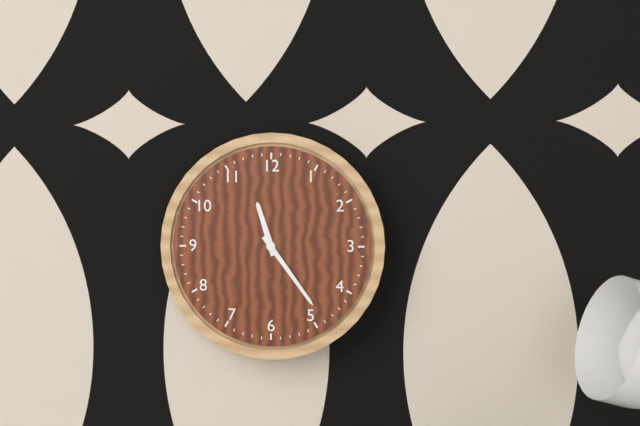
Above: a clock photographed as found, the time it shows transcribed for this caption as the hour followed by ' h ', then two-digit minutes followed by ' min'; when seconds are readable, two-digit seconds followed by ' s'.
11 h 24 min
